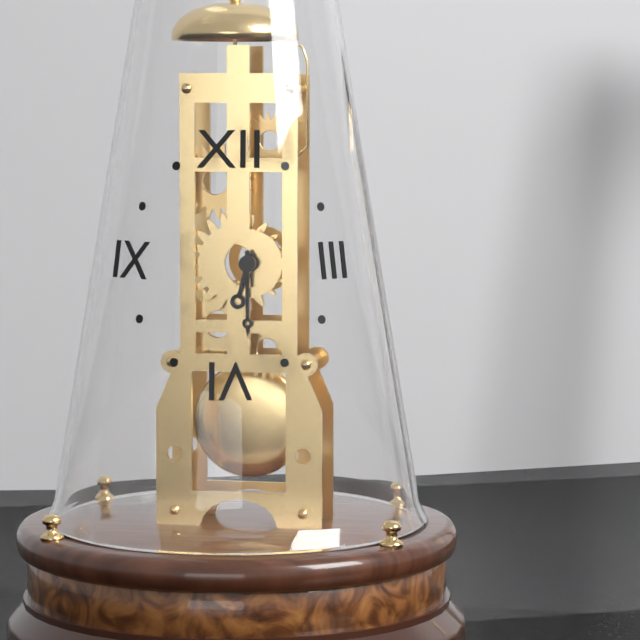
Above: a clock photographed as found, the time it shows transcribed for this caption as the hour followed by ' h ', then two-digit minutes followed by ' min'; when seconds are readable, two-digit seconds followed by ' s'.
6 h 30 min
